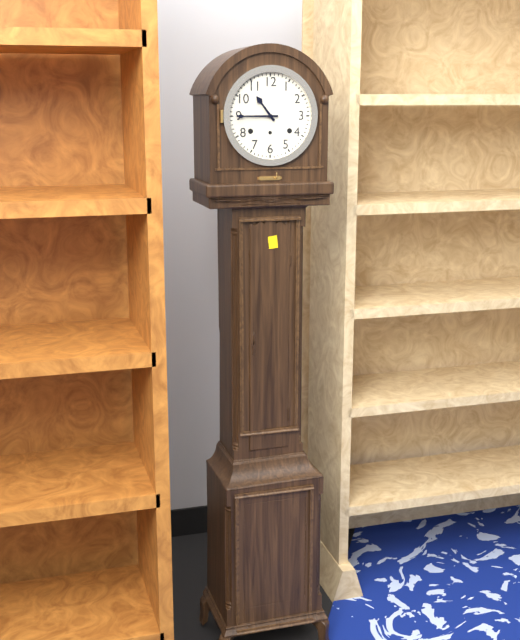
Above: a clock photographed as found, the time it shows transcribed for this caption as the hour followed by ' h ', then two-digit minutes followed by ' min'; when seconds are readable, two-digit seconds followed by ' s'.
10 h 45 min
